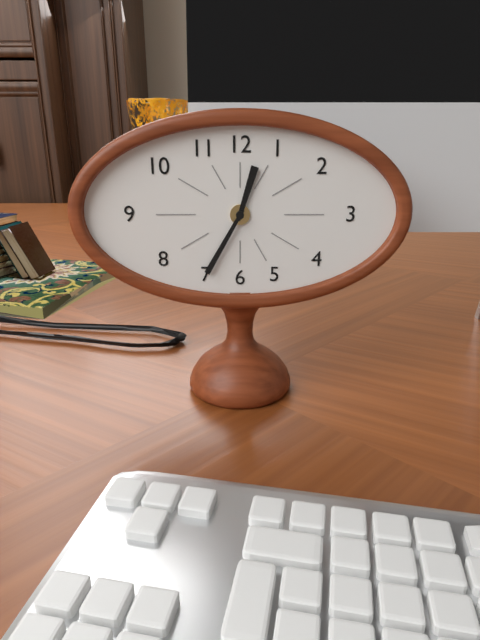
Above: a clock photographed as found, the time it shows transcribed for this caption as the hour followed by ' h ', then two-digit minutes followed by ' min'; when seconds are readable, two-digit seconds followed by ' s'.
12 h 35 min
